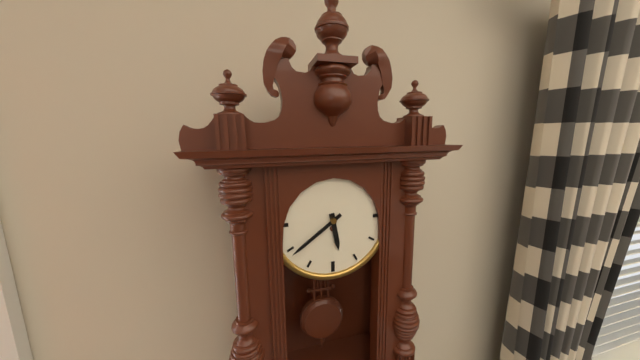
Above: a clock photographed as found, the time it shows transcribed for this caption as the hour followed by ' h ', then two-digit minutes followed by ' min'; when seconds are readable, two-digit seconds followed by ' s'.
5 h 39 min
